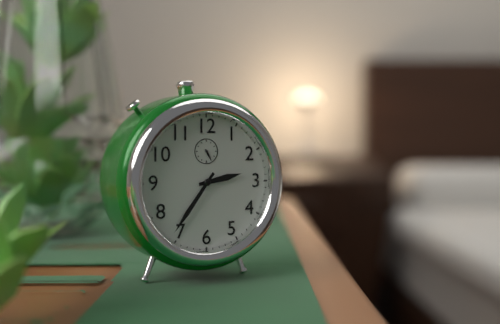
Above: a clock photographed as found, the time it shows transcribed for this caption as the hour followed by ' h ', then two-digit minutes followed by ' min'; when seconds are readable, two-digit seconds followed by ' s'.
2 h 36 min
